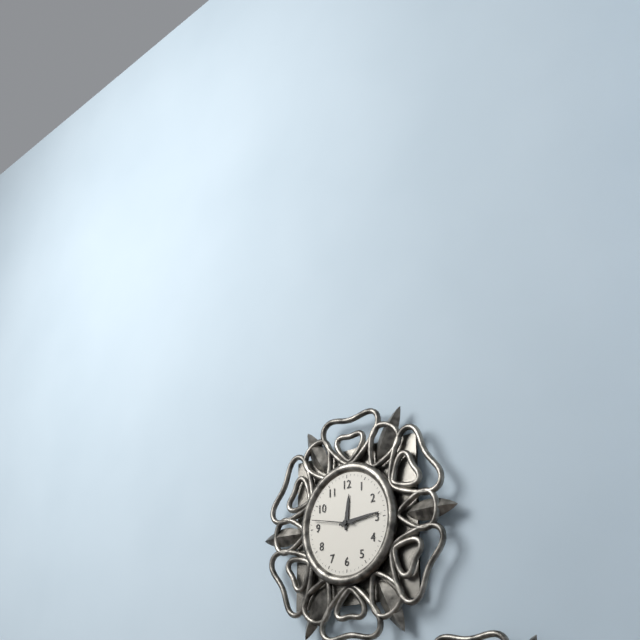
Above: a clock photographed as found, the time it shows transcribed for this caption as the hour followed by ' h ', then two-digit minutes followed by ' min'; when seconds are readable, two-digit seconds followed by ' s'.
12 h 14 min
